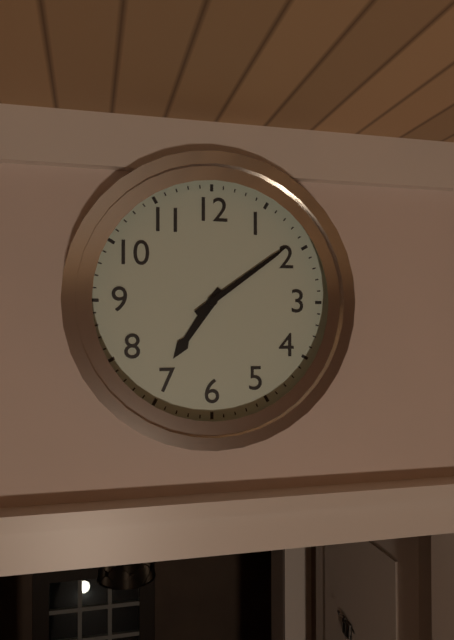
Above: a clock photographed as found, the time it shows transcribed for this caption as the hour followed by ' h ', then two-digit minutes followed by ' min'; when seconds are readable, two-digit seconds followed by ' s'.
7 h 09 min
